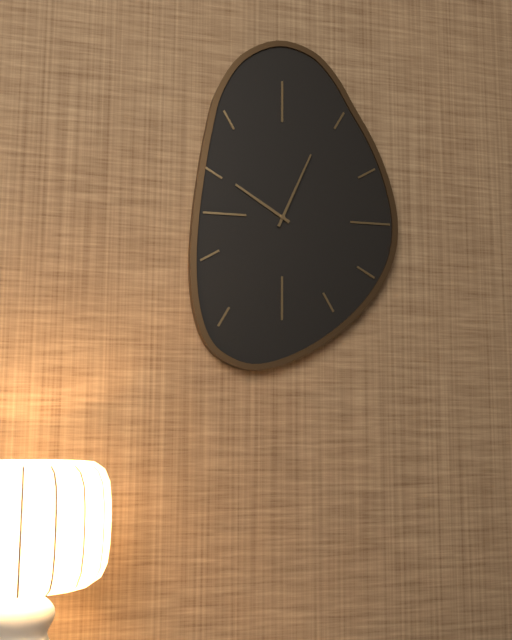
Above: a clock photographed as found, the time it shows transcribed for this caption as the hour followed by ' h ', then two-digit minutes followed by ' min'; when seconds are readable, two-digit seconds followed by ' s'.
10 h 04 min
